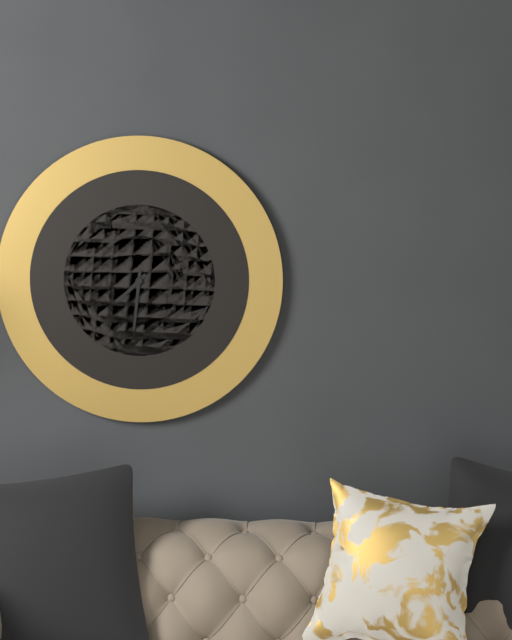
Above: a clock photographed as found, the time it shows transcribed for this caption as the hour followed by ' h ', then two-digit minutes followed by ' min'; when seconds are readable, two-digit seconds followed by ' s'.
7 h 31 min
